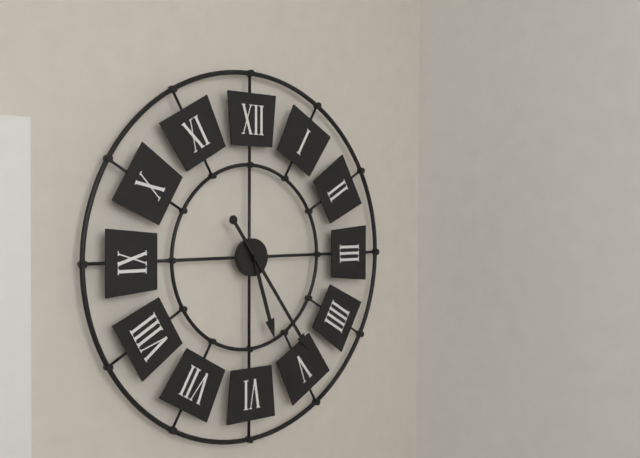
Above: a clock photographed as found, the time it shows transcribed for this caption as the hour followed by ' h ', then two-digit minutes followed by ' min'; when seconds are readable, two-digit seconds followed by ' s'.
5 h 24 min
